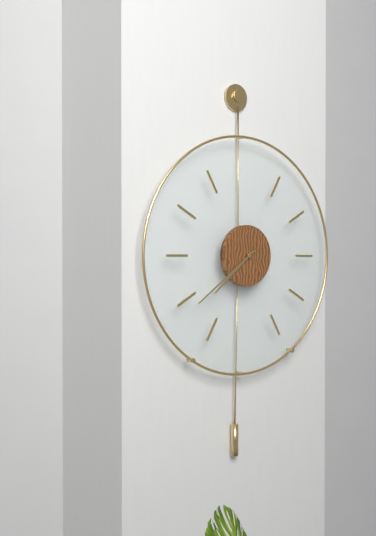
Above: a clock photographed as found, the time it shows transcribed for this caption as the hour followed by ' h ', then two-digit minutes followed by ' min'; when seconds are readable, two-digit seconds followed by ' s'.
7 h 39 min
